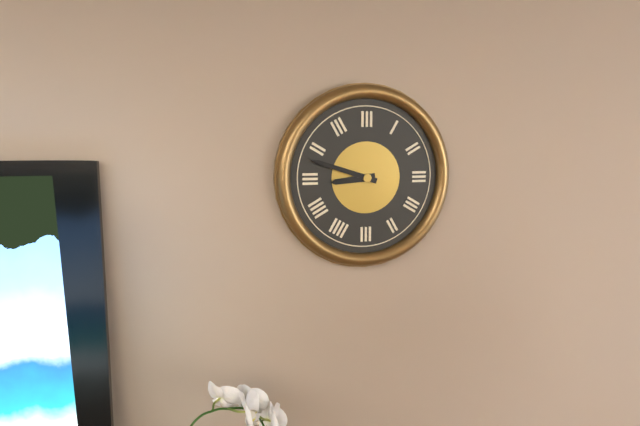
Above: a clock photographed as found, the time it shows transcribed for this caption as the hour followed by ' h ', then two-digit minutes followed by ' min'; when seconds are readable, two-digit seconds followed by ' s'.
8 h 48 min
